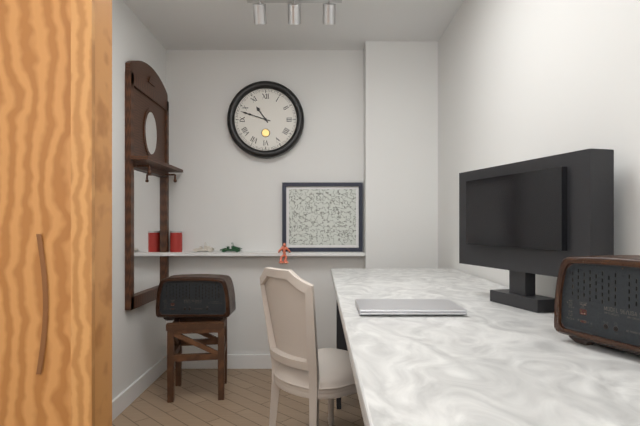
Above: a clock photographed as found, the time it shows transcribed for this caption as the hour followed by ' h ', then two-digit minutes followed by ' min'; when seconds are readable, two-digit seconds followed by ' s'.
10 h 48 min
